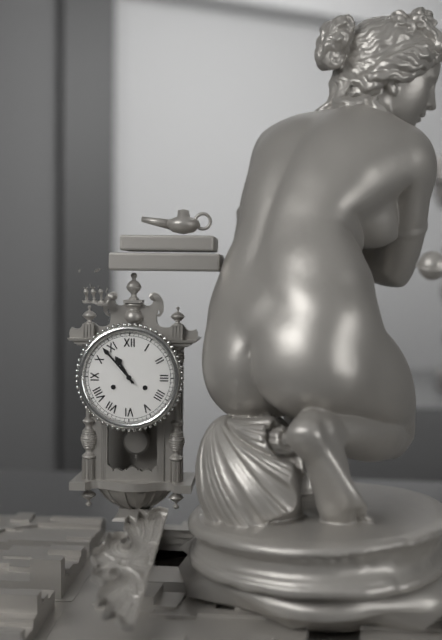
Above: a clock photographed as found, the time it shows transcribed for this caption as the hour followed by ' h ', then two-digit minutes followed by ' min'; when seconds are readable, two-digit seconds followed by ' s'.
10 h 53 min
